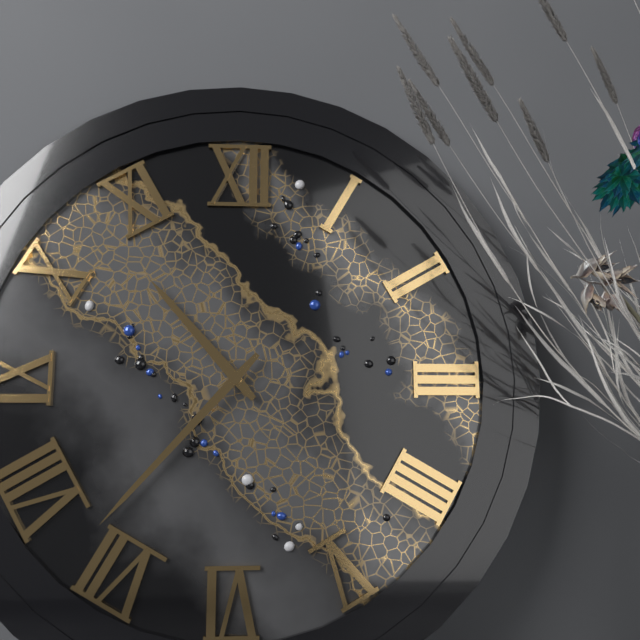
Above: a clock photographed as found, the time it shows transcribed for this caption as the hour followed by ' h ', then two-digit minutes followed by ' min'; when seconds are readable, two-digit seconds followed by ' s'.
10 h 37 min
